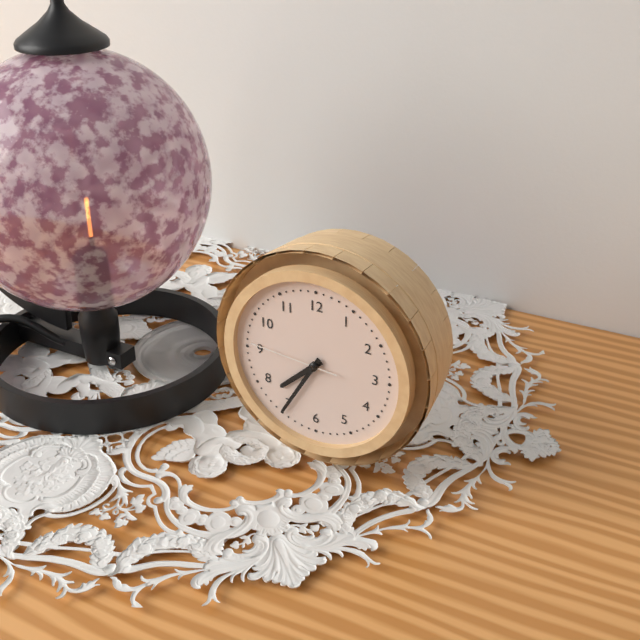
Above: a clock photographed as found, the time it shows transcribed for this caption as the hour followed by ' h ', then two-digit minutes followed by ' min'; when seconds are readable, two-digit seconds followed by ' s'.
7 h 35 min 46 s
